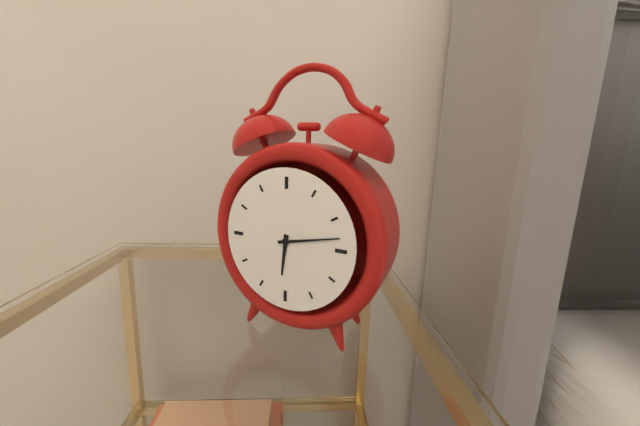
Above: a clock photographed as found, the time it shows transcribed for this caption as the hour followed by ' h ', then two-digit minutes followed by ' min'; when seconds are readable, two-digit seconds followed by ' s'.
6 h 13 min
